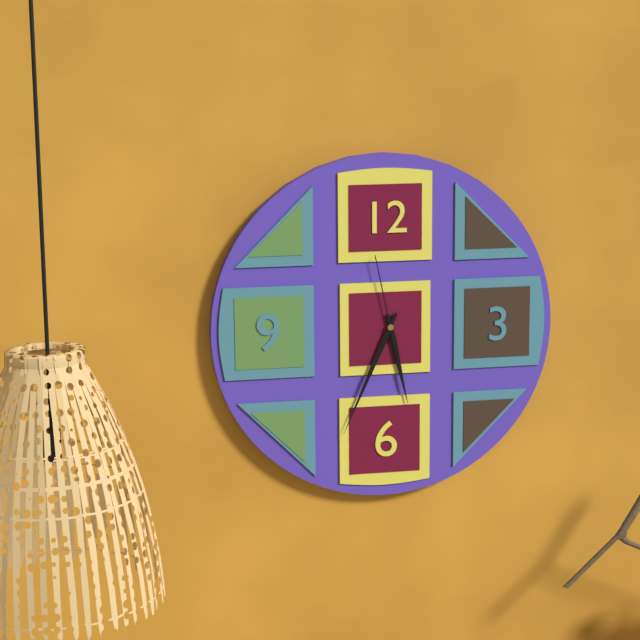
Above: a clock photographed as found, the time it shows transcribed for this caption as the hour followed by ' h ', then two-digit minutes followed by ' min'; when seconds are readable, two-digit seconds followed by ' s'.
5 h 34 min 58 s
